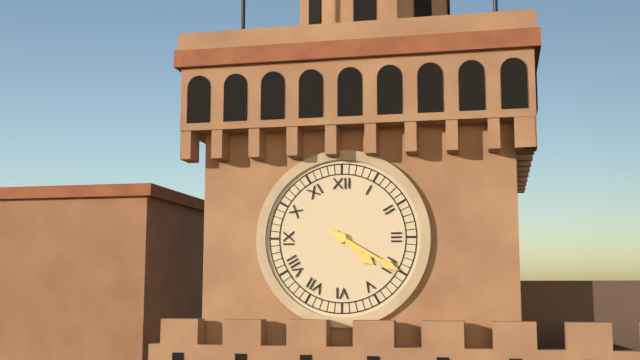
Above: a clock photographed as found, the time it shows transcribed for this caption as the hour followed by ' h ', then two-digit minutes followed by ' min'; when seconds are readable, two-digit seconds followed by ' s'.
4 h 20 min
